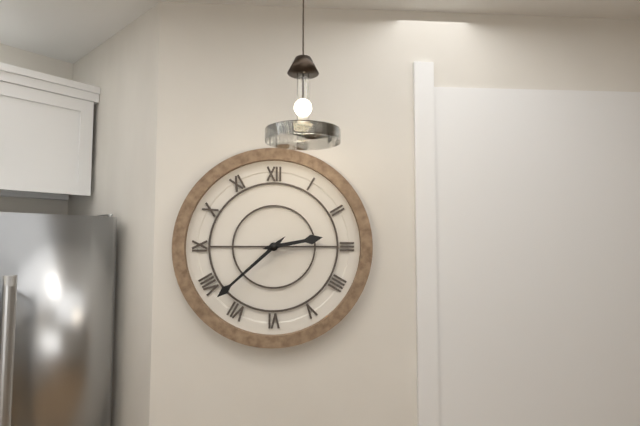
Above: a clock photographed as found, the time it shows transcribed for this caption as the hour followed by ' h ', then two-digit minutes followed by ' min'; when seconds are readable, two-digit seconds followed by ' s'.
2 h 38 min
